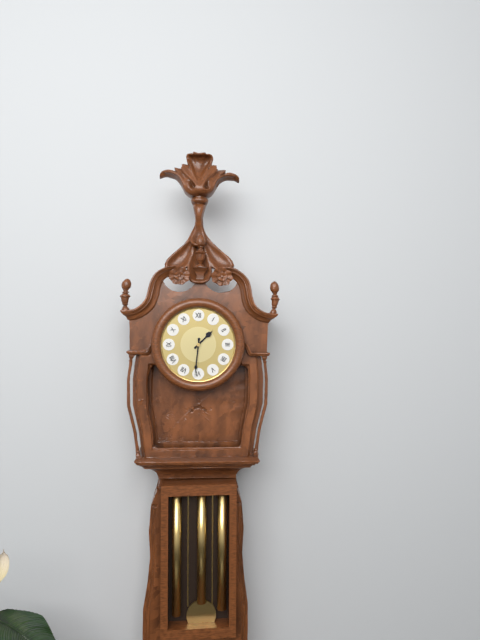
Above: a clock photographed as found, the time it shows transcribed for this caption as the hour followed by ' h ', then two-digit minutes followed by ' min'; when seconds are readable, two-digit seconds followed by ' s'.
1 h 31 min
